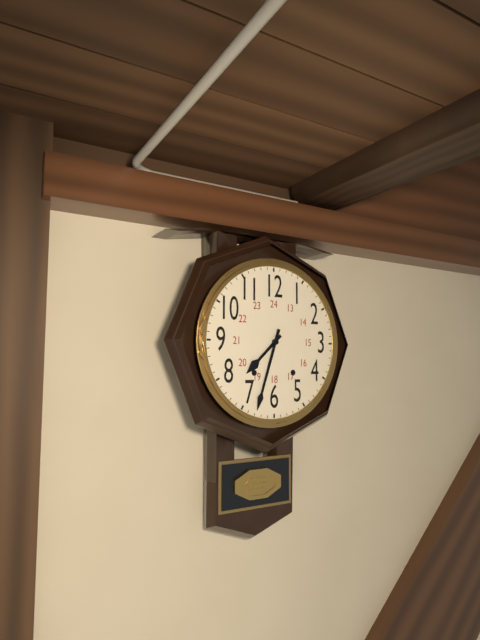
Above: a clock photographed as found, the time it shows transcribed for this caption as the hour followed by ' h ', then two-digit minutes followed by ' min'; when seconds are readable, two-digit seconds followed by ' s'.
7 h 33 min
